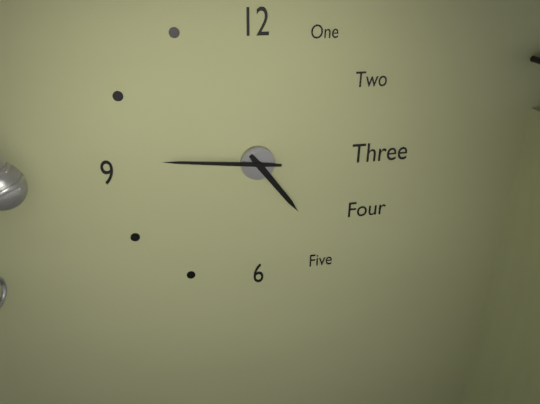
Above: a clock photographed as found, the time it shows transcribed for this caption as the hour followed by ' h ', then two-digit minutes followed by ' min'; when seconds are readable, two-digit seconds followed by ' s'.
4 h 46 min
